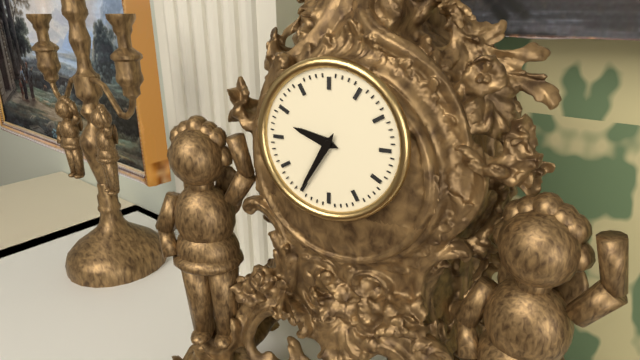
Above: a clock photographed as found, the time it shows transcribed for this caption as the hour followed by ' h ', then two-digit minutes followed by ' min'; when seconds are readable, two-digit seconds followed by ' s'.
9 h 35 min
